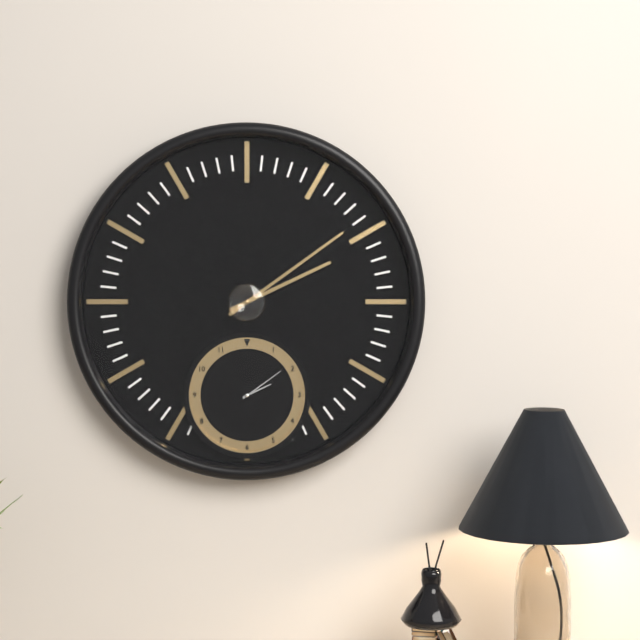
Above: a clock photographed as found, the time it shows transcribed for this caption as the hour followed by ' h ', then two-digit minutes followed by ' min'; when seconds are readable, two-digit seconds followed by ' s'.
2 h 09 min
